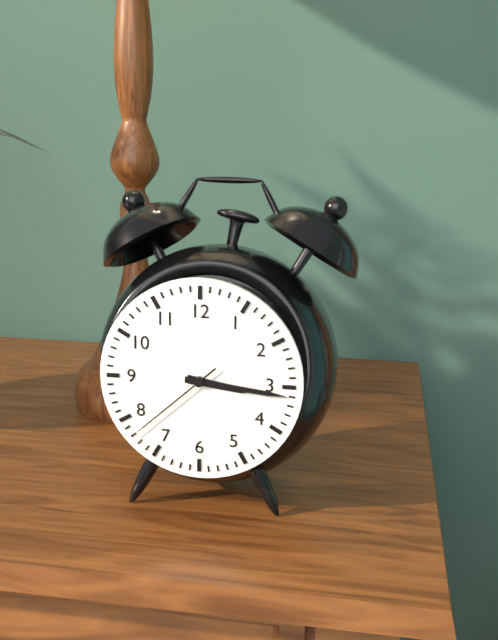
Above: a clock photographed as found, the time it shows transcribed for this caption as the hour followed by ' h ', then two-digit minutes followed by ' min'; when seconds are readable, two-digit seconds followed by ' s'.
3 h 16 min 38 s
